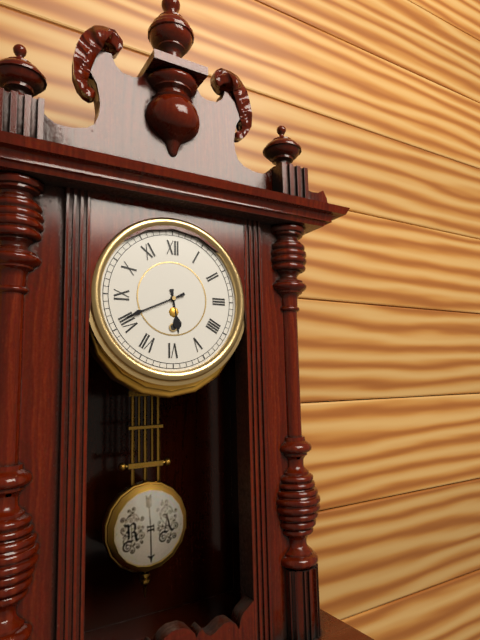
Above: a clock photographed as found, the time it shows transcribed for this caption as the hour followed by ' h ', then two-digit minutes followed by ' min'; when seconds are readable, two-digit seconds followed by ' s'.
5 h 41 min
